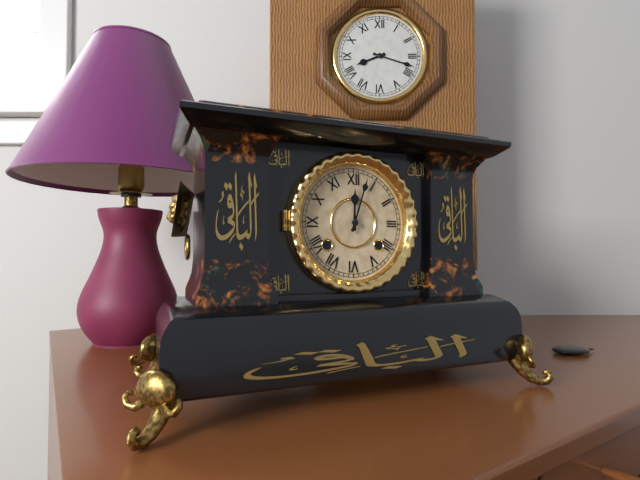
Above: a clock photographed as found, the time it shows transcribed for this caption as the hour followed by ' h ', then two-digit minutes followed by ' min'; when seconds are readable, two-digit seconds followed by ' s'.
12 h 03 min
